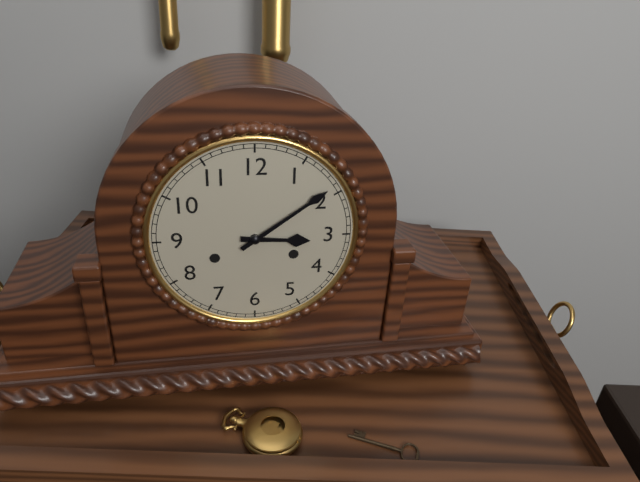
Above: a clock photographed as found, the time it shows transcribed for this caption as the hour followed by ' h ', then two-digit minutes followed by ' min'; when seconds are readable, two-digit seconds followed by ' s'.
3 h 09 min
